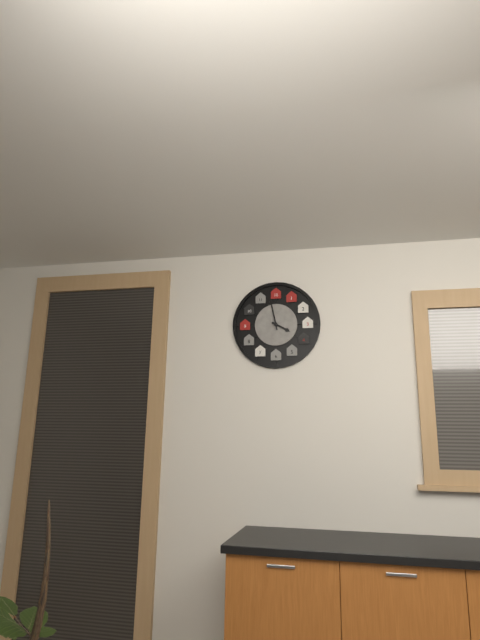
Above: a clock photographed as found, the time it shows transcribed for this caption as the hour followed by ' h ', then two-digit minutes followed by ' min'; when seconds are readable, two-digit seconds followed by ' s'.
3 h 58 min
